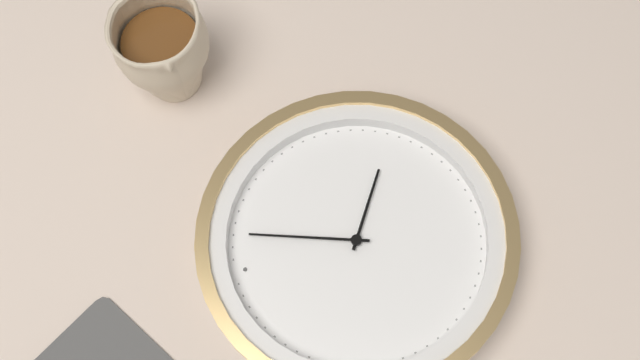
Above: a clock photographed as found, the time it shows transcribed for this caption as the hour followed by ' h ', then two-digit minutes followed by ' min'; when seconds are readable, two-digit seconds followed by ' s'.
4 h 03 min
